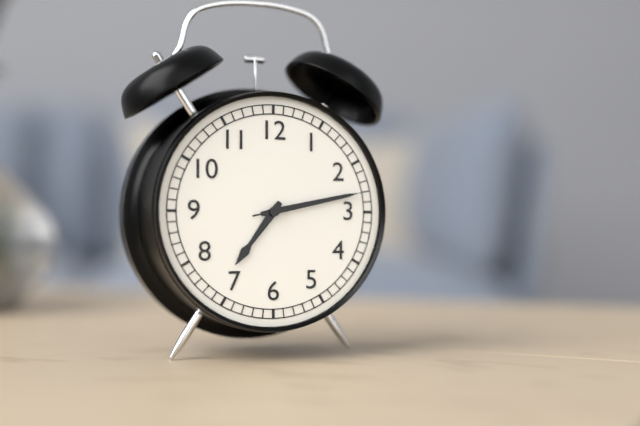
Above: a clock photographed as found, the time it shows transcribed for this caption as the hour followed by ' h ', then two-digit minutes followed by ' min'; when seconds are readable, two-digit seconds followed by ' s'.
7 h 13 min 13 s
